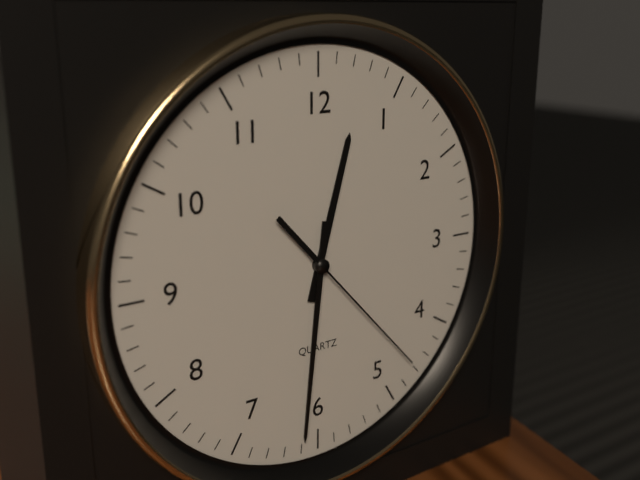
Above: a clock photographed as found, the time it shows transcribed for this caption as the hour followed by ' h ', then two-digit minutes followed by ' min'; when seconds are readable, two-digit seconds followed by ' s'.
12 h 31 min 23 s
